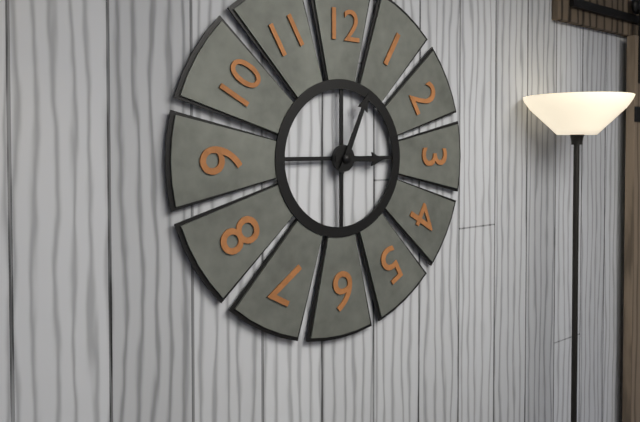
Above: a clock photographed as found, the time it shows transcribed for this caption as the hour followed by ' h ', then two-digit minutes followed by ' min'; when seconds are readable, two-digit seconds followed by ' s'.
3 h 04 min
